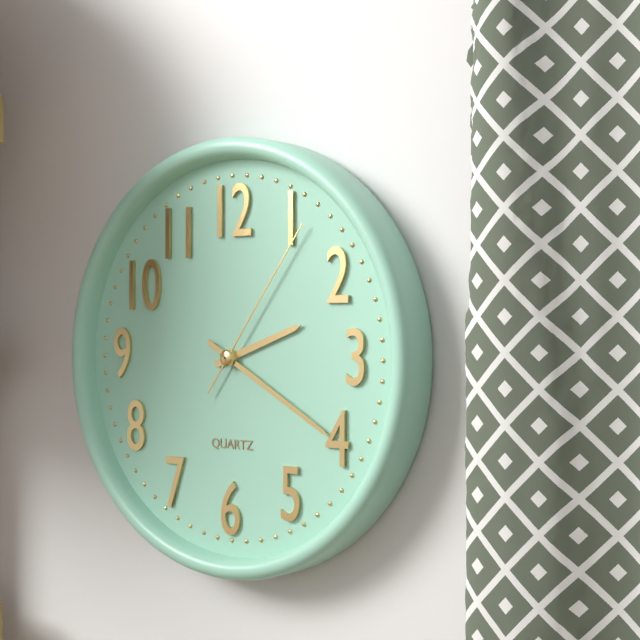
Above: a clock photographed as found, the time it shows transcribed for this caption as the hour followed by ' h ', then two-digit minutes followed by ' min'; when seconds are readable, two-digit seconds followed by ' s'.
2 h 20 min 06 s
